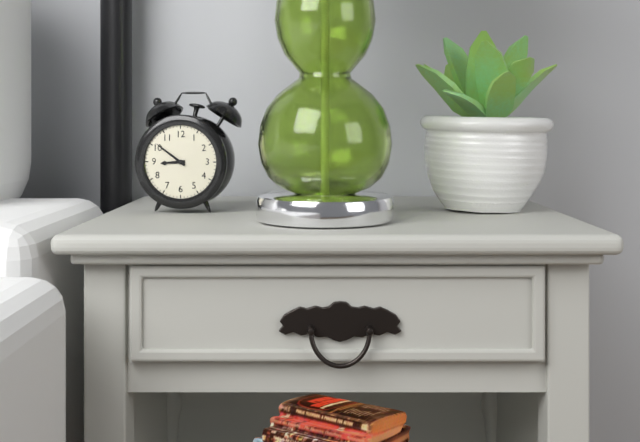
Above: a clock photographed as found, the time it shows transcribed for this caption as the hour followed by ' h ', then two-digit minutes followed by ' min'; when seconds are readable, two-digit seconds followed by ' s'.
8 h 51 min
